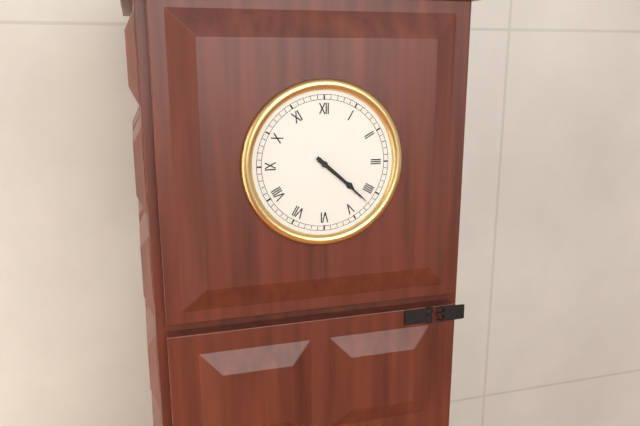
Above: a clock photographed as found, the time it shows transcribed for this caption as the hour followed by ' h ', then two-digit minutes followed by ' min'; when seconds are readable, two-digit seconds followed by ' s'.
4 h 22 min
